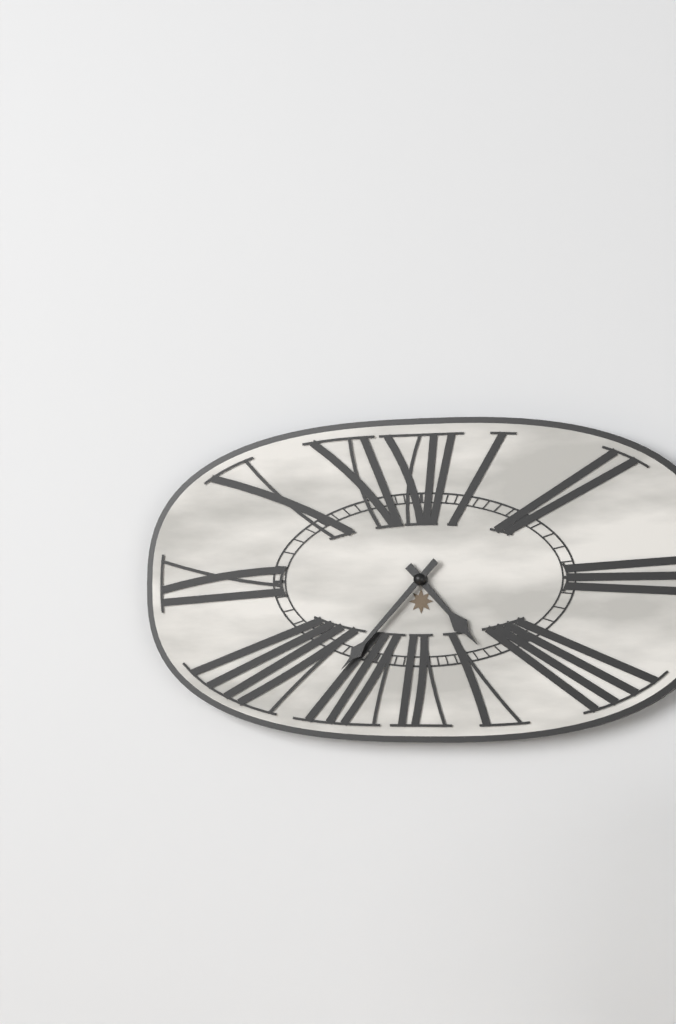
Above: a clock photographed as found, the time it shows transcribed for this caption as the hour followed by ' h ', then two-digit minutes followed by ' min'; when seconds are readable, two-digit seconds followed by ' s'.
4 h 37 min
